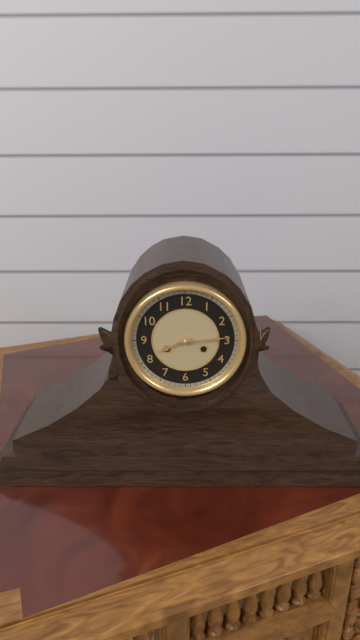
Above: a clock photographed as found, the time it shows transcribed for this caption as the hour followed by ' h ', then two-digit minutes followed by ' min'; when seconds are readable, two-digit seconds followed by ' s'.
8 h 14 min
